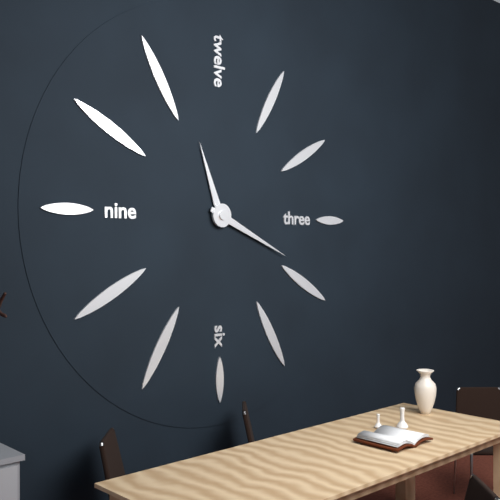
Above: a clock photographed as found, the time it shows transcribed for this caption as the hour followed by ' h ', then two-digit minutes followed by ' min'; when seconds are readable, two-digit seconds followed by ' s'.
11 h 19 min
